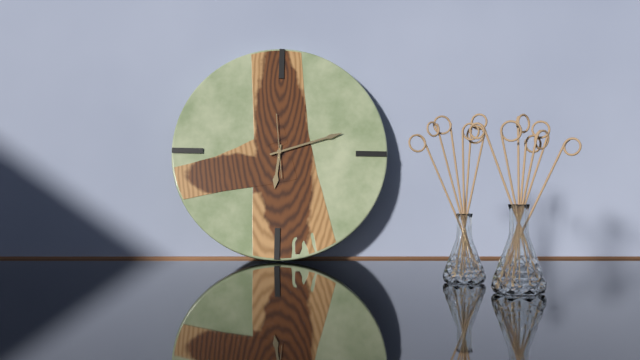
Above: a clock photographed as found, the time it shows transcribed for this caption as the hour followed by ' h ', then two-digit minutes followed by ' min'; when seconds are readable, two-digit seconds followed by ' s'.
6 h 12 min 59 s
